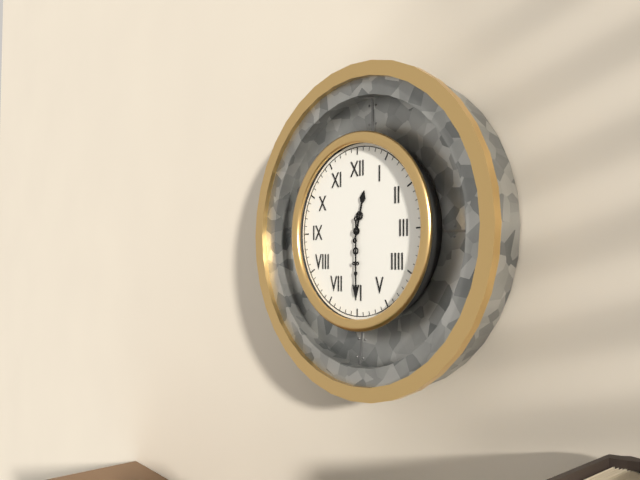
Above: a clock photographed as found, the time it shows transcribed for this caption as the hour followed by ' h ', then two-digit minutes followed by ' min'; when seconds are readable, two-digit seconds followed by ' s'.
12 h 30 min
